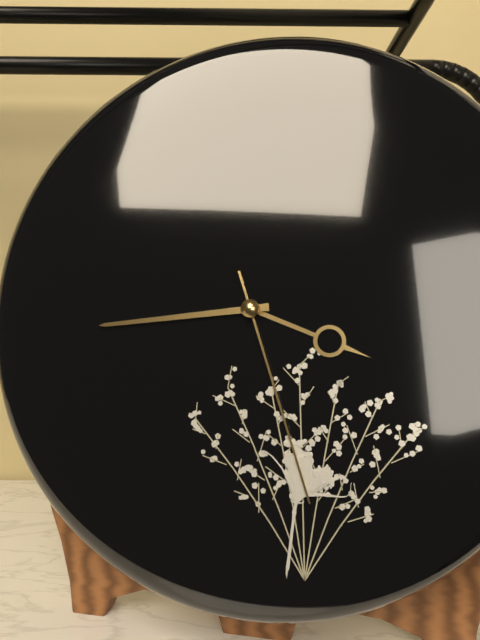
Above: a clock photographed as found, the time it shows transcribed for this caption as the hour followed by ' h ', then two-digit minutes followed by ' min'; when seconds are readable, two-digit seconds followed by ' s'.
3 h 44 min 27 s
